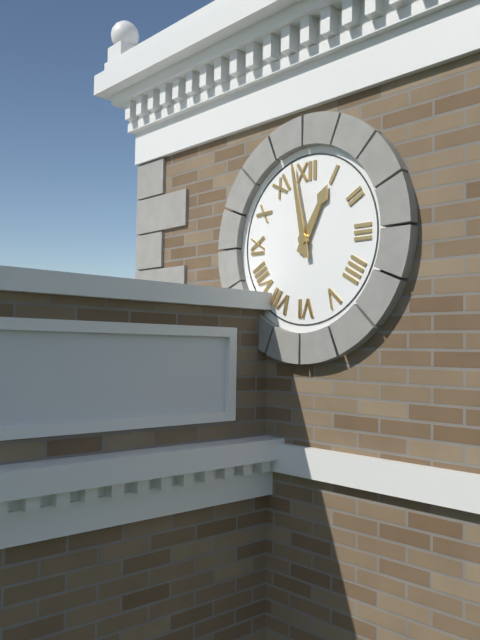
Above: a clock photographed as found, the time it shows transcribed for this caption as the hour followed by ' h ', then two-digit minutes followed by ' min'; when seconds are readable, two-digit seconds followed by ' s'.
12 h 58 min
